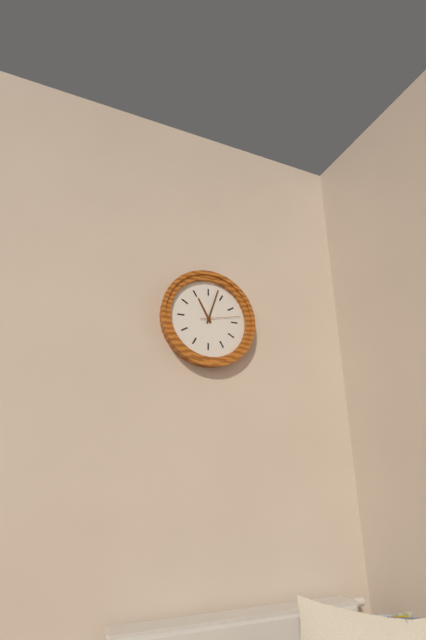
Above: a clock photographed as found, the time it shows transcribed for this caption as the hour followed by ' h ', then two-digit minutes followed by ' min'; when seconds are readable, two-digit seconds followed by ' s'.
11 h 03 min
